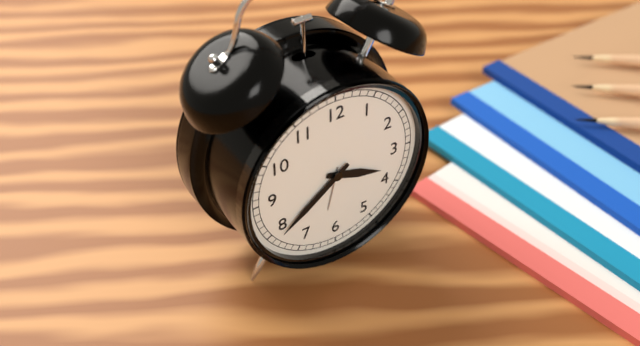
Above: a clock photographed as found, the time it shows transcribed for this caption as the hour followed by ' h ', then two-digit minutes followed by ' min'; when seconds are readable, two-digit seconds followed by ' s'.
3 h 39 min
